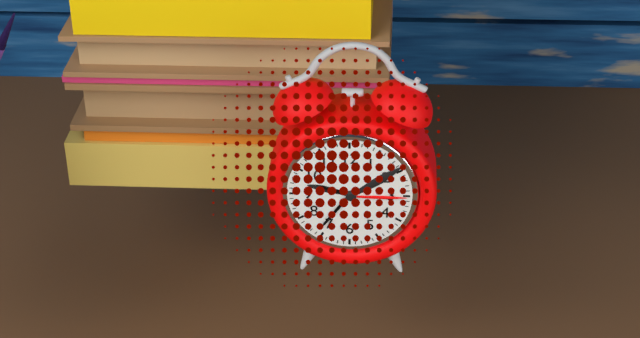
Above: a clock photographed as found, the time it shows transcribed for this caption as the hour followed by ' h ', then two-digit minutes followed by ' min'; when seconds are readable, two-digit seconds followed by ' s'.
9 h 36 min
